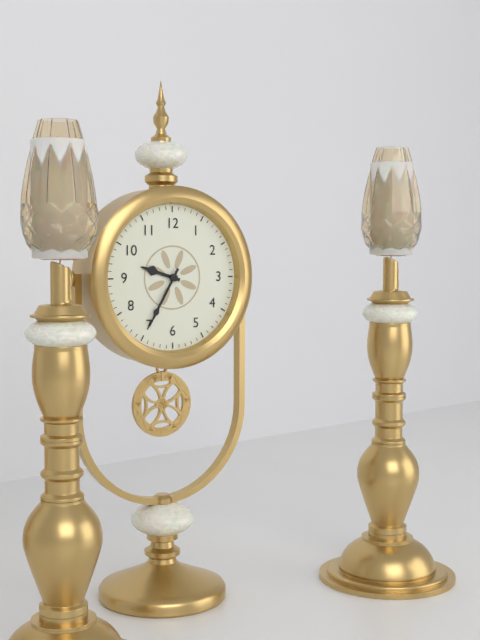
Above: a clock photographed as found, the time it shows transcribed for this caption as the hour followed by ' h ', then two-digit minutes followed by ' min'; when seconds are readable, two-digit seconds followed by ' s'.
9 h 35 min
